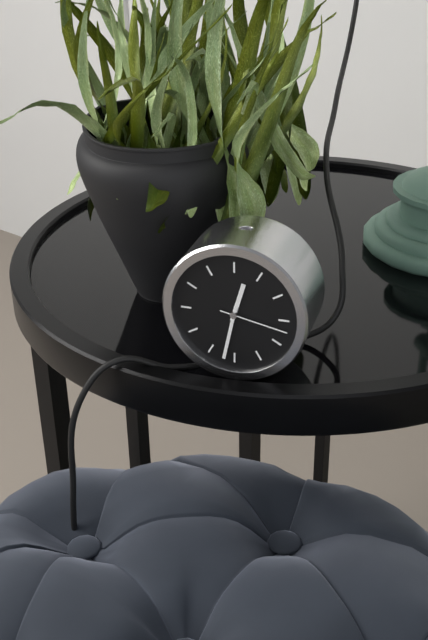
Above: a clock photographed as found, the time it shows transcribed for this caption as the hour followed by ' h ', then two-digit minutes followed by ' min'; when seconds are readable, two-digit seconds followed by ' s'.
12 h 32 min 17 s
